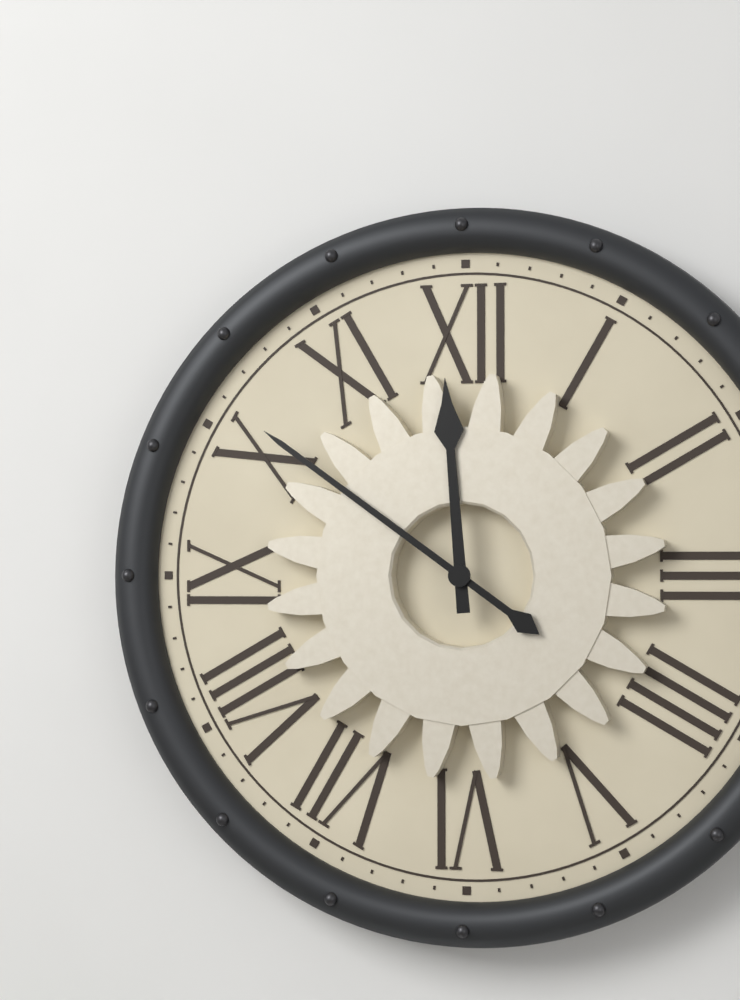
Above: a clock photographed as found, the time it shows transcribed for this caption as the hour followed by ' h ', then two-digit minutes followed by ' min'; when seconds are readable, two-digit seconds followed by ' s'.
11 h 51 min
